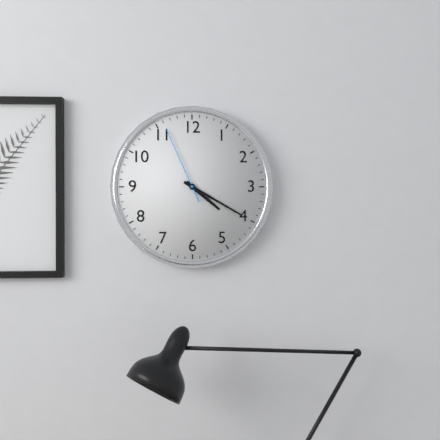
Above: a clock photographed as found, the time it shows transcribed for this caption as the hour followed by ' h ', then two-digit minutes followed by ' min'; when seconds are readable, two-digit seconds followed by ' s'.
4 h 20 min 56 s
